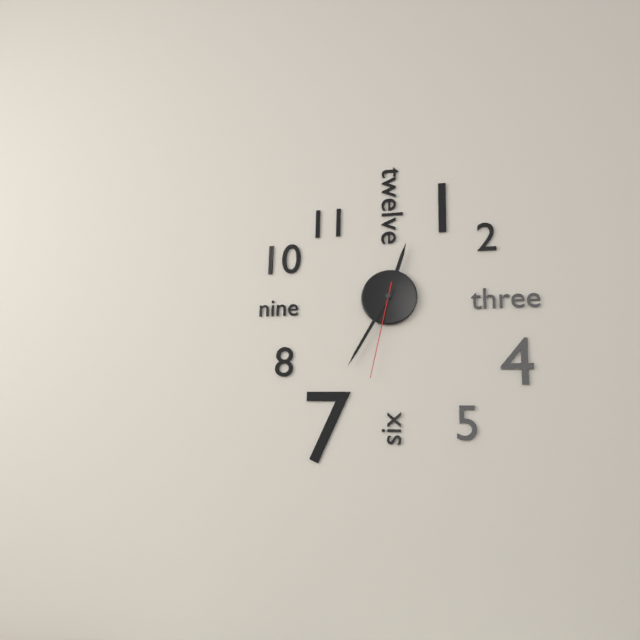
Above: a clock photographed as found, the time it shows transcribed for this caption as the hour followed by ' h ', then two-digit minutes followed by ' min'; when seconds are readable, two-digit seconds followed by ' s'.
12 h 35 min 32 s
